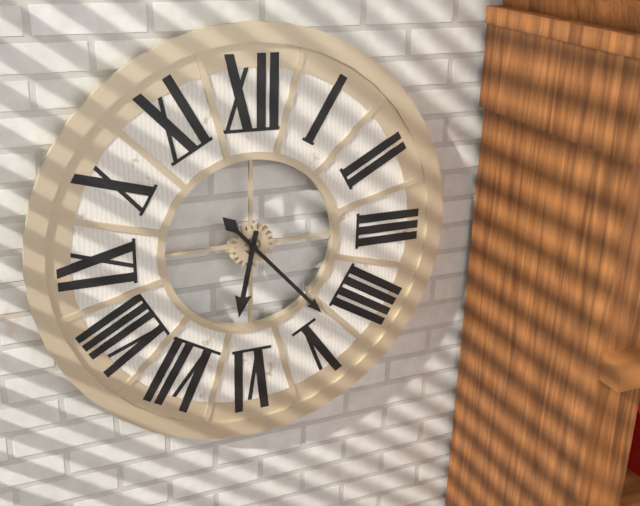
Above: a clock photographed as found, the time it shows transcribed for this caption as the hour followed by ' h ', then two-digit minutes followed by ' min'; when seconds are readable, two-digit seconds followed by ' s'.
6 h 23 min
